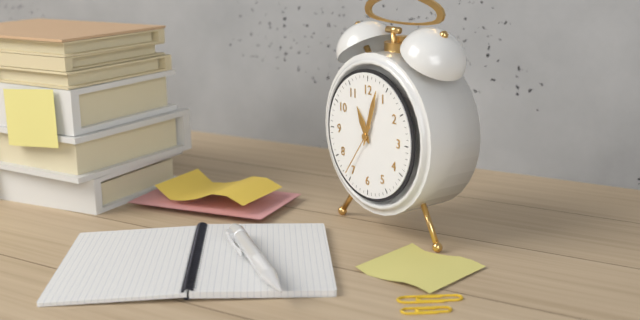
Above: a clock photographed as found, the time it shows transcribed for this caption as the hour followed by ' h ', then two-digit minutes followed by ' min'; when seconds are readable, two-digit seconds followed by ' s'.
11 h 03 min 36 s
